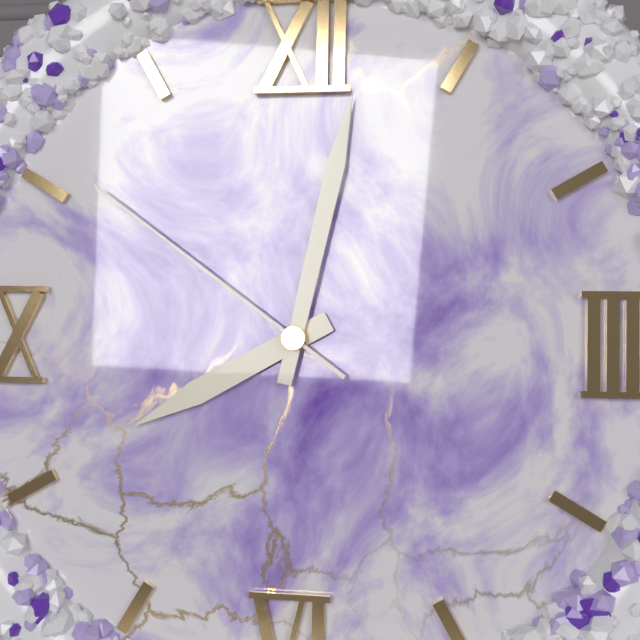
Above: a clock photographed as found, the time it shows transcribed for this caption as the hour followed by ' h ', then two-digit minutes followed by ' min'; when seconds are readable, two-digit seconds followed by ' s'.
8 h 02 min 51 s
